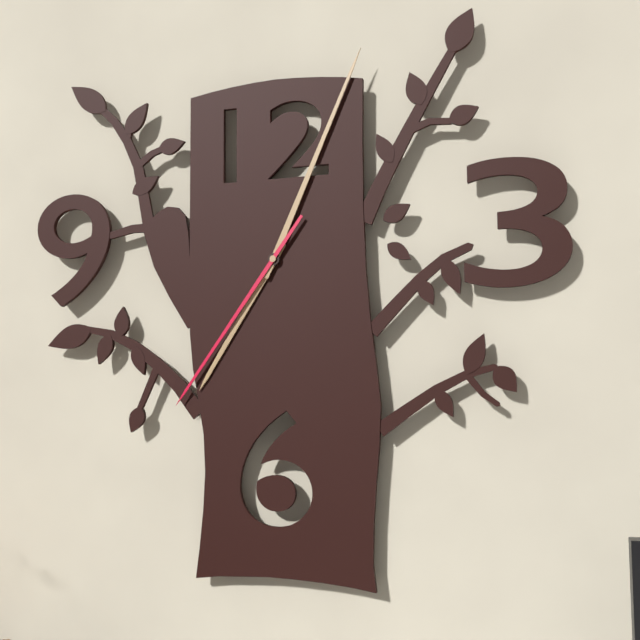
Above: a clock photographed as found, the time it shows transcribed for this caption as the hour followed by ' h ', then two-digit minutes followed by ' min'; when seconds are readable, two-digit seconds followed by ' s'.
7 h 04 min 36 s
